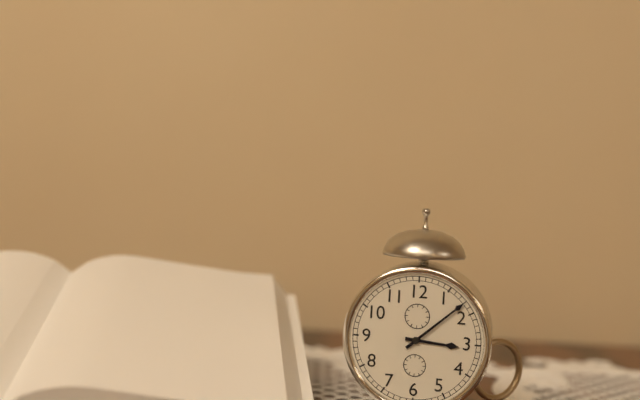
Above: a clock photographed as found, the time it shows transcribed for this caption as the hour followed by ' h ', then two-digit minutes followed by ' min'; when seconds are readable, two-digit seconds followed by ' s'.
3 h 08 min
